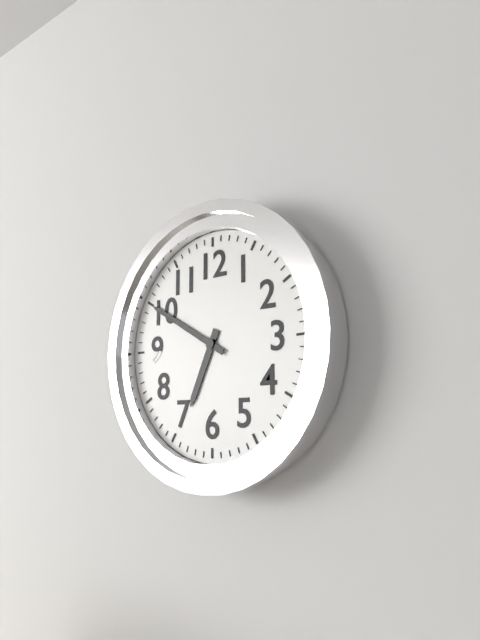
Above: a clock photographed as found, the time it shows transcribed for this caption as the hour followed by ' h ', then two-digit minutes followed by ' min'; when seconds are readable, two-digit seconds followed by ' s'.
6 h 50 min
